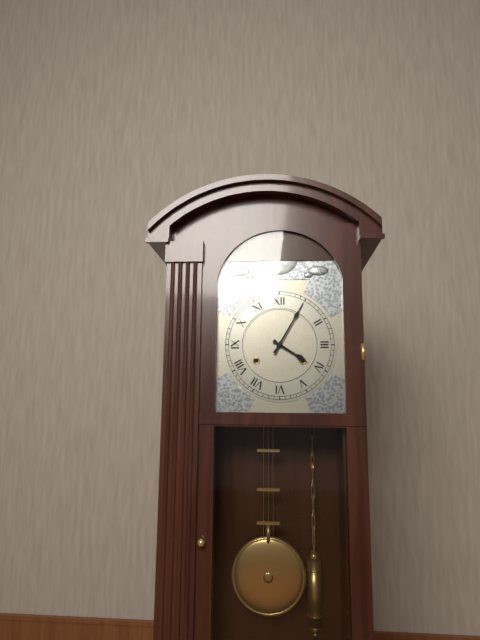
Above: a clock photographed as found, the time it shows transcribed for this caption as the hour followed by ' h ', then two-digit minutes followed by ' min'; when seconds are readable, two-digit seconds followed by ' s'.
4 h 05 min
